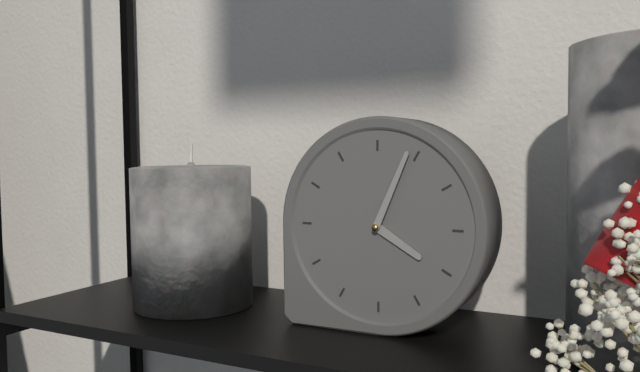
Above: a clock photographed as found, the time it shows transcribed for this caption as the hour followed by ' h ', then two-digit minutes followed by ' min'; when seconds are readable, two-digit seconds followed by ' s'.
4 h 04 min
